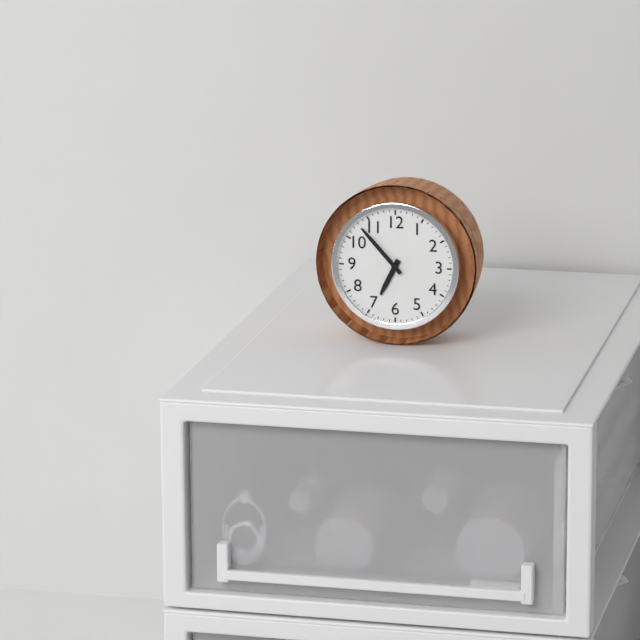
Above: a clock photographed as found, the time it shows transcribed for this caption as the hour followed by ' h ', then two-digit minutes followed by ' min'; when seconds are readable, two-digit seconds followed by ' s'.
6 h 53 min
